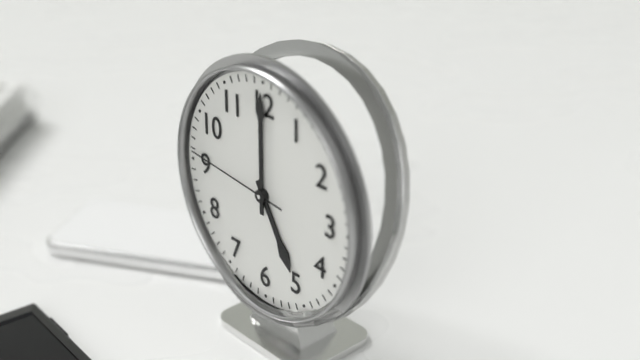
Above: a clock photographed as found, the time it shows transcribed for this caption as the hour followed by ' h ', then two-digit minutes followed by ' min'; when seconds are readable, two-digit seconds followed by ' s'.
5 h 00 min 46 s
